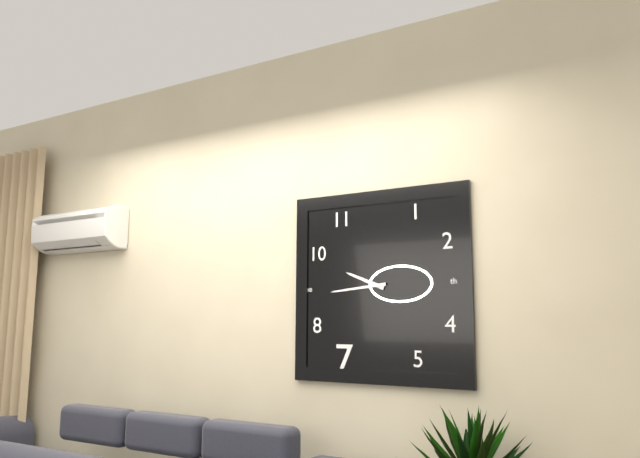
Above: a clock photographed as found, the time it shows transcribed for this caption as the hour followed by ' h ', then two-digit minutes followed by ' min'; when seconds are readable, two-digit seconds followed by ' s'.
9 h 44 min
